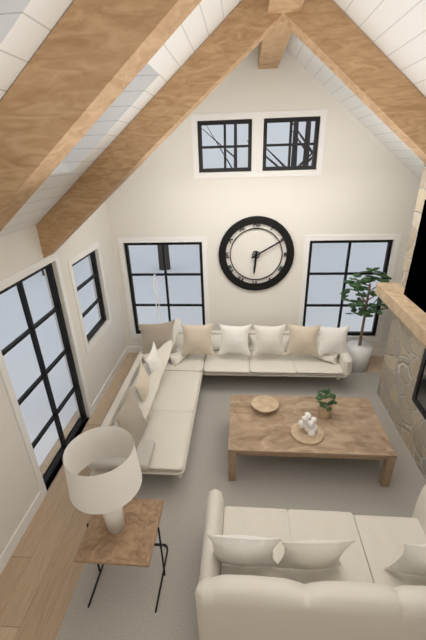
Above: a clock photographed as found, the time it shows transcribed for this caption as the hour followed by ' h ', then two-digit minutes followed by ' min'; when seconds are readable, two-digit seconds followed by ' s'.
6 h 10 min
